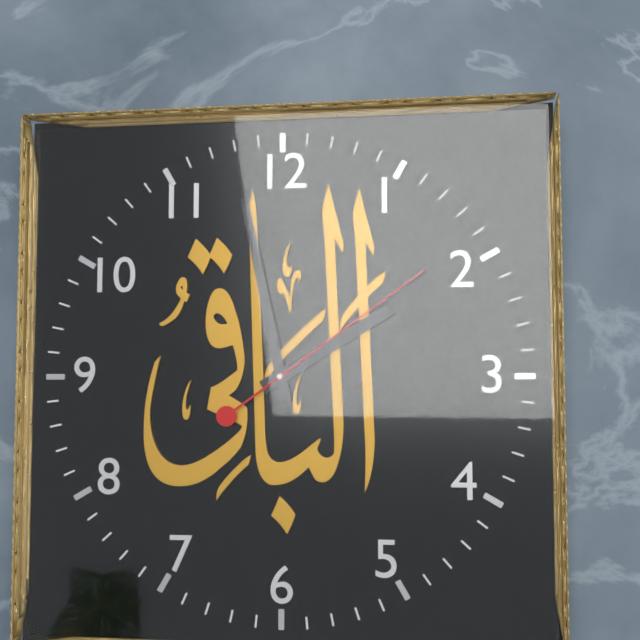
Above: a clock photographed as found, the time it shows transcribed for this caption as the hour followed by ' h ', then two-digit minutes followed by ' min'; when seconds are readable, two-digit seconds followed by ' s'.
1 h 58 min 09 s
